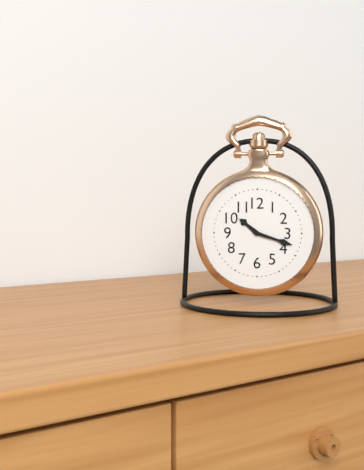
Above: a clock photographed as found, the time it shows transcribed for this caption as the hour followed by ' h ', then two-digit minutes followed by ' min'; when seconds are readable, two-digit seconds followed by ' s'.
10 h 18 min
